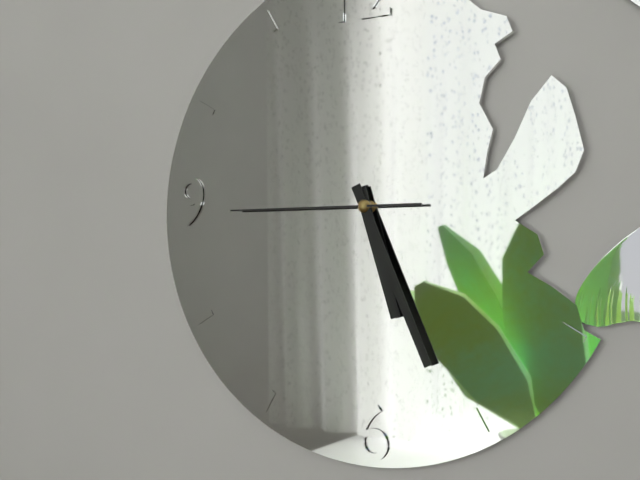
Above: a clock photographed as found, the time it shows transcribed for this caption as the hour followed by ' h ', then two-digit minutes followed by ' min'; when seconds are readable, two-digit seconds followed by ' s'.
5 h 26 min 45 s
